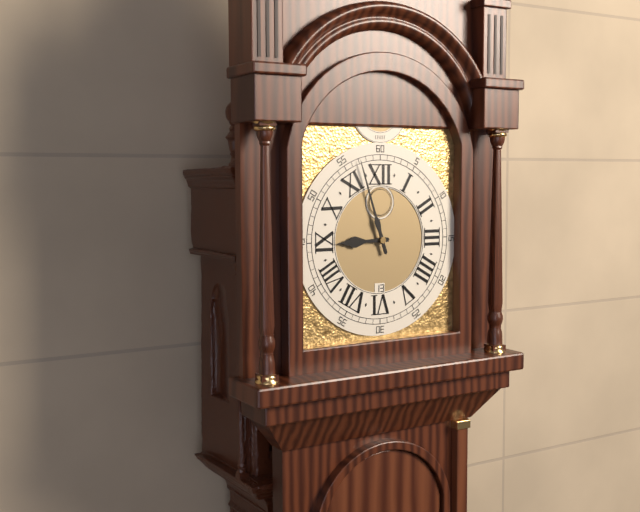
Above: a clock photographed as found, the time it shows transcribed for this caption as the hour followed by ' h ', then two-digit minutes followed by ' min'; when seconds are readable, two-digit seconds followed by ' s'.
8 h 57 min
